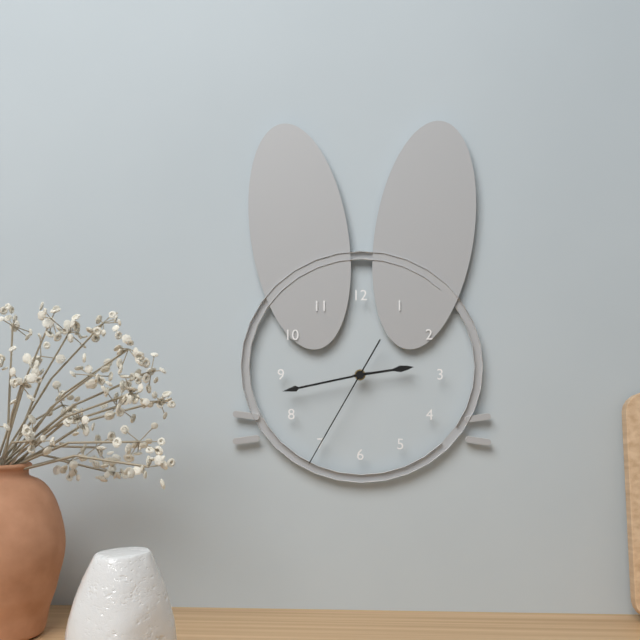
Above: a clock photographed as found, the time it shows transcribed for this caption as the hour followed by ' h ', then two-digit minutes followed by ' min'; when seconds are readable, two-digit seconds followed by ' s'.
2 h 43 min 35 s
